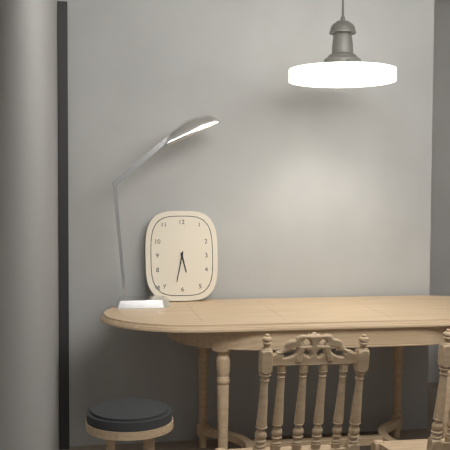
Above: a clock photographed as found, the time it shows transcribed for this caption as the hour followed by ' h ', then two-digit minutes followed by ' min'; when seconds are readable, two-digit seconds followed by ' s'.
5 h 32 min
